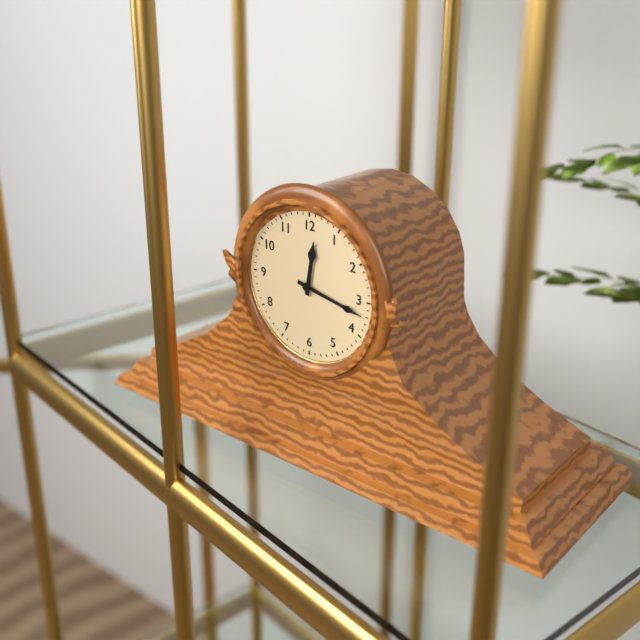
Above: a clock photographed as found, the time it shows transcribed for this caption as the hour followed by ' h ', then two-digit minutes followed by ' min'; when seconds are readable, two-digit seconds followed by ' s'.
12 h 17 min
